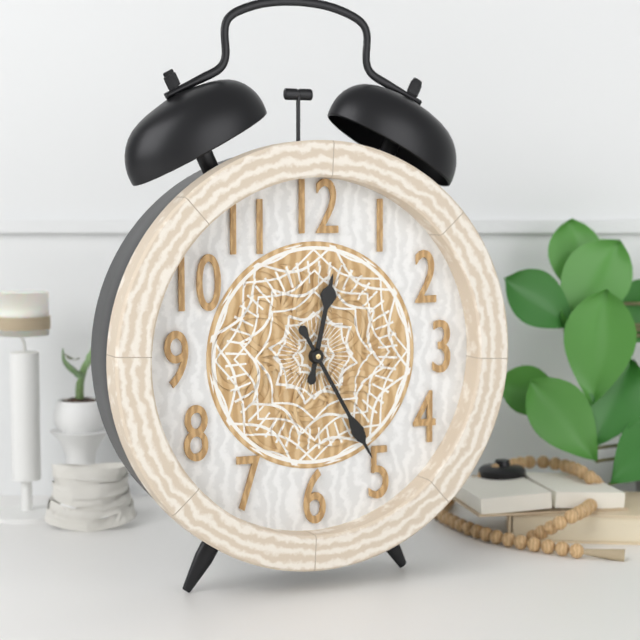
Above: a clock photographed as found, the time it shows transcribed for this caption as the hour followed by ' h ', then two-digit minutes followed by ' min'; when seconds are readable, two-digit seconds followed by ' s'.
12 h 25 min
